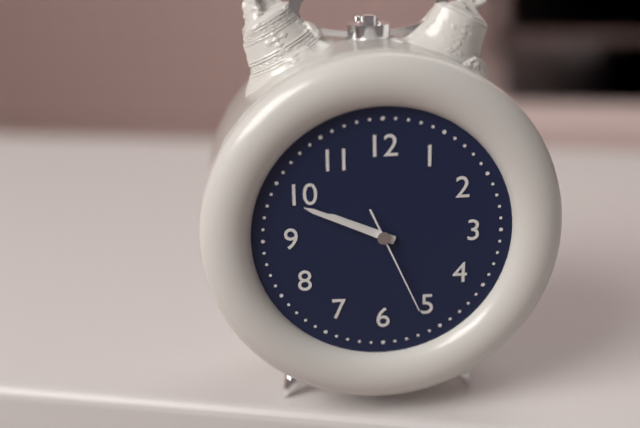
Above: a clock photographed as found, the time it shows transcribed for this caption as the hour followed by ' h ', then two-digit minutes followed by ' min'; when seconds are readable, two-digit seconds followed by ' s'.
9 h 49 min 26 s
